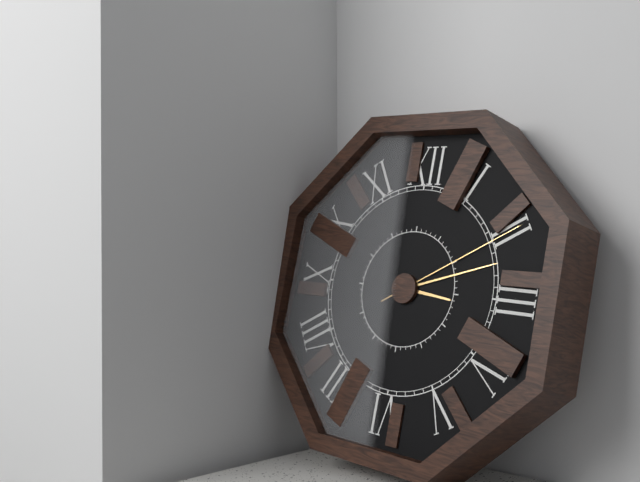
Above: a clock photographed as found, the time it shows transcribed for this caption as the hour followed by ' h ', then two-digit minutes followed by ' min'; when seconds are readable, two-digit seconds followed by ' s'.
3 h 12 min 10 s
